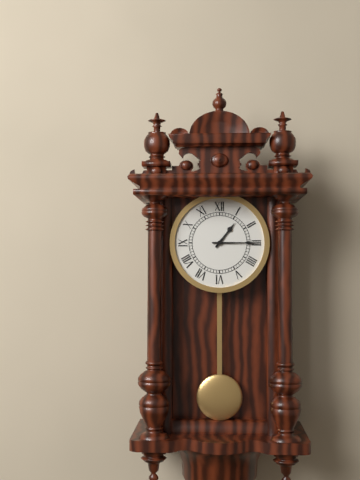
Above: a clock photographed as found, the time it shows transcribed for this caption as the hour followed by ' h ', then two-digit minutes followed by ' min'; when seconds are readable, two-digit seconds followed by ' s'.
1 h 15 min
